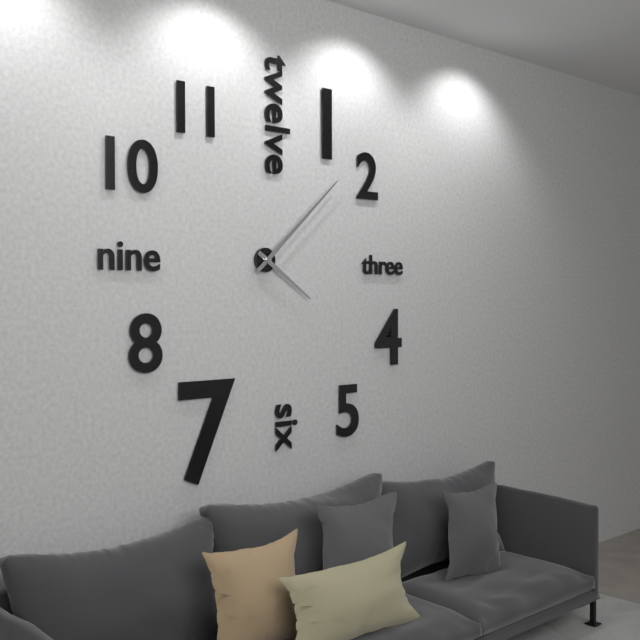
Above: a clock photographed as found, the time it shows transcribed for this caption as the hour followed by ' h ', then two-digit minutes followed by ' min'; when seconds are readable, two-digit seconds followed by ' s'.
4 h 08 min
